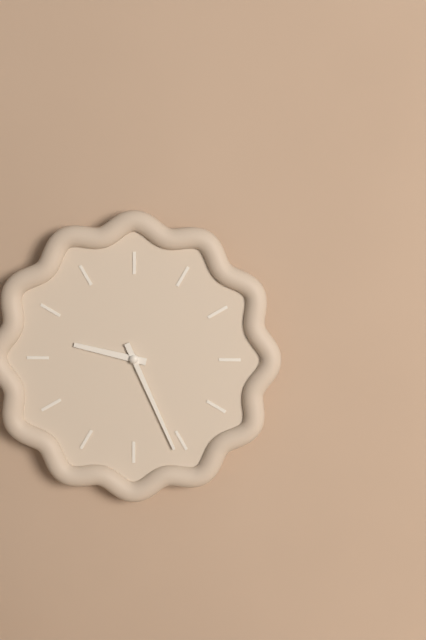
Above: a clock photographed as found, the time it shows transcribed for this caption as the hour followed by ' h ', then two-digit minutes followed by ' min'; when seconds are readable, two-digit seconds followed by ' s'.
9 h 26 min
